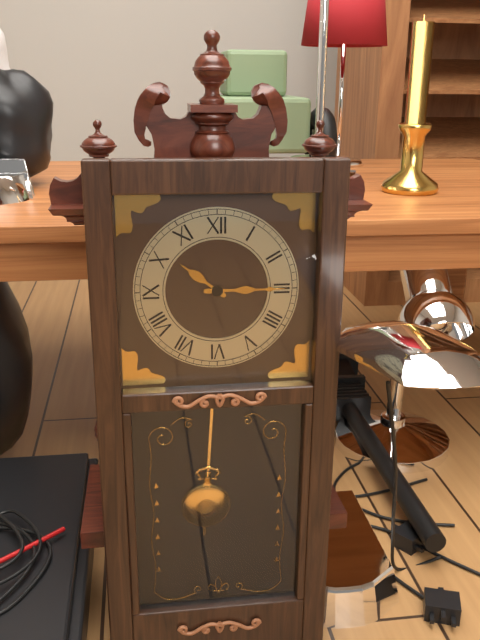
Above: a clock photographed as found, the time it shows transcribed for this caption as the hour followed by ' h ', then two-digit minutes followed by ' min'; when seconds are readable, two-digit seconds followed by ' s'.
10 h 15 min
